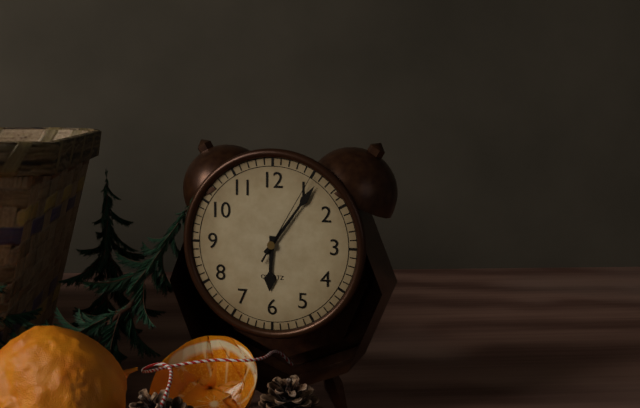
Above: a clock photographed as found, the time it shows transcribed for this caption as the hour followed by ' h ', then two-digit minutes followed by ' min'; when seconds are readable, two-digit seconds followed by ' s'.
6 h 06 min 05 s
